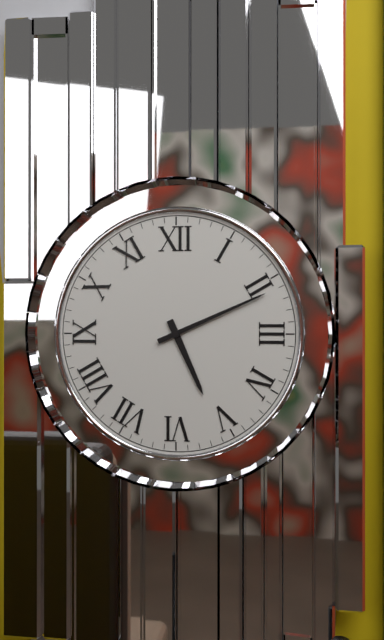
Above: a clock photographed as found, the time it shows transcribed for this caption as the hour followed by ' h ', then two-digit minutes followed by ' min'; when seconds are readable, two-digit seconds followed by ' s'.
5 h 11 min
